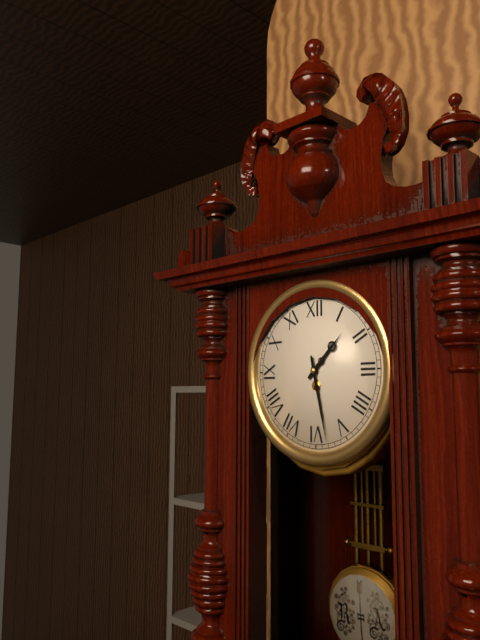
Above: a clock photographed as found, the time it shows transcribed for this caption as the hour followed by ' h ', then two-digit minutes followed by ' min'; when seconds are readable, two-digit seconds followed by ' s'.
1 h 28 min
